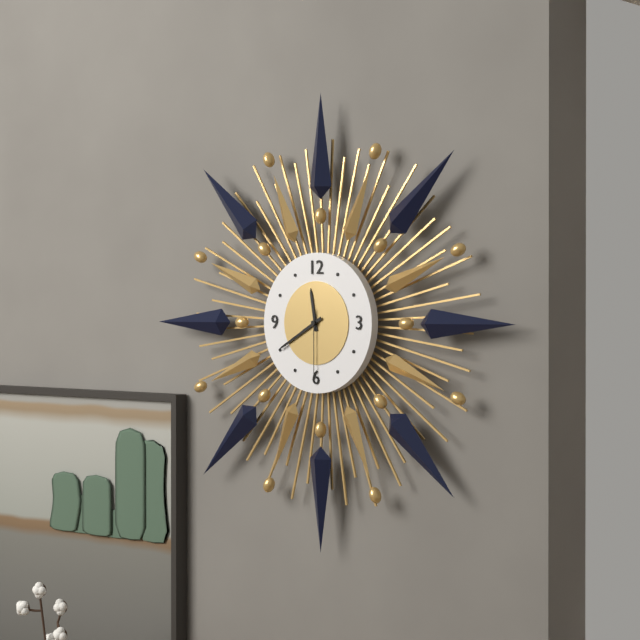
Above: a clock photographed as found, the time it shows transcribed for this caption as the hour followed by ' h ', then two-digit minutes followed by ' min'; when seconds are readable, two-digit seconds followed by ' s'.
11 h 40 min 30 s
